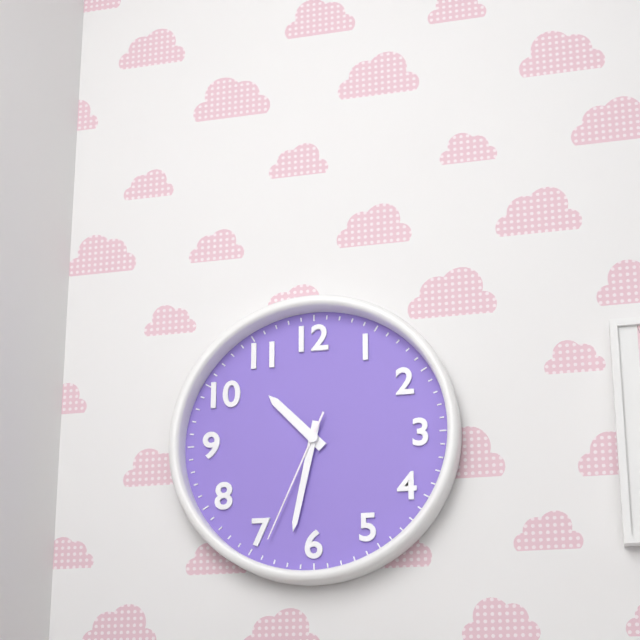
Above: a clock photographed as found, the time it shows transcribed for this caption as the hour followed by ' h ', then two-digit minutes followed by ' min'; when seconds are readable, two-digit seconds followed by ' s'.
10 h 32 min 34 s
